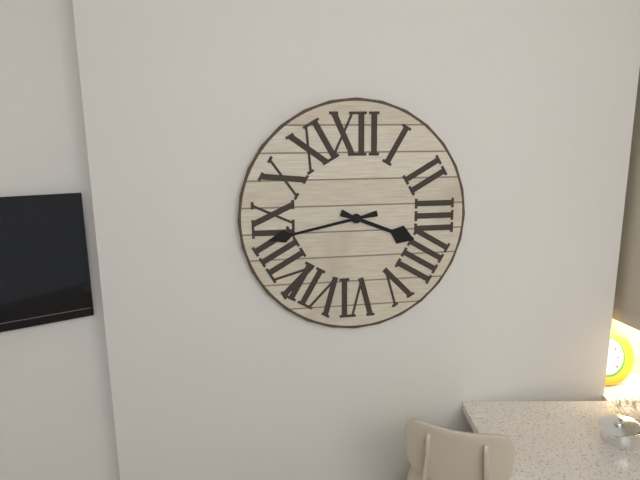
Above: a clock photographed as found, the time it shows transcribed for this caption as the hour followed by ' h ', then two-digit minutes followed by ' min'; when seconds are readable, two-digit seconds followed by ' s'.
3 h 43 min
